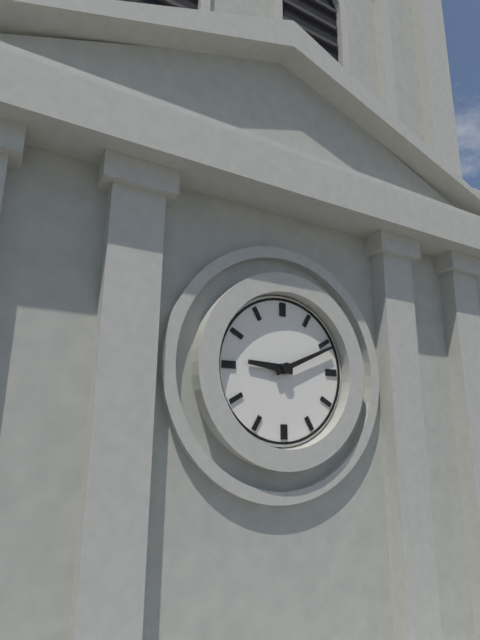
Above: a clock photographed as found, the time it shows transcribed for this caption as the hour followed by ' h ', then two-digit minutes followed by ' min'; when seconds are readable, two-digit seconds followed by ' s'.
9 h 11 min
